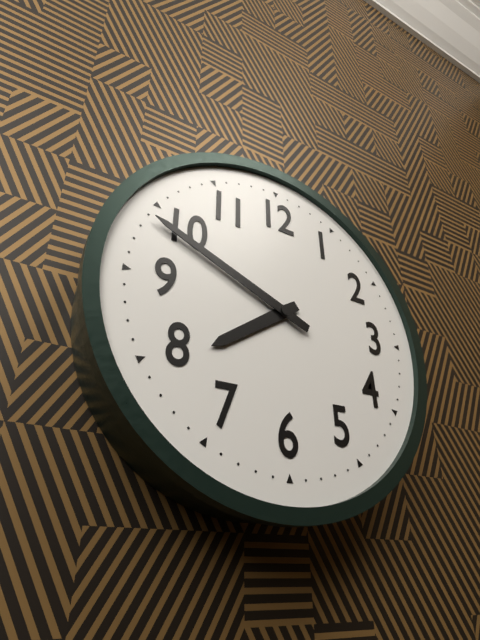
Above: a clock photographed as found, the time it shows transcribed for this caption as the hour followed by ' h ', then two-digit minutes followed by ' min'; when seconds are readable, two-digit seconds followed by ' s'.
7 h 49 min
